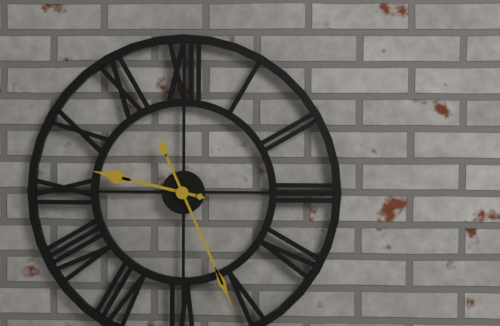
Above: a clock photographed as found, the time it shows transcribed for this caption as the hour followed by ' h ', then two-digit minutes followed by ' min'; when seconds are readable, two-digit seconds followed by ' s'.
9 h 26 min
